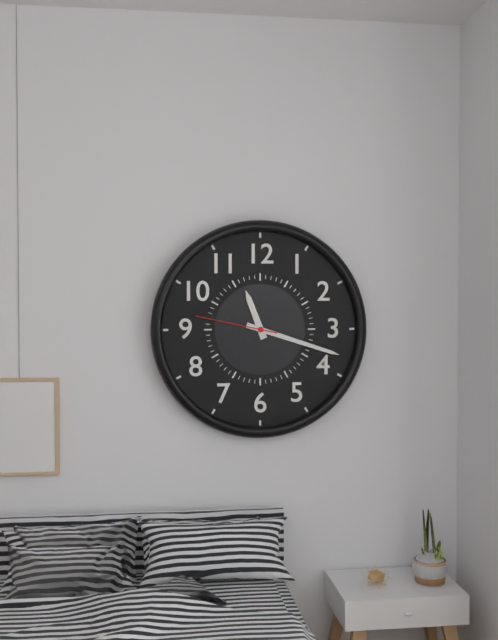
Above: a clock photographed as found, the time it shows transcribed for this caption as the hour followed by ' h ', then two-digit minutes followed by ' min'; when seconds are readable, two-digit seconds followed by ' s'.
11 h 18 min 47 s
